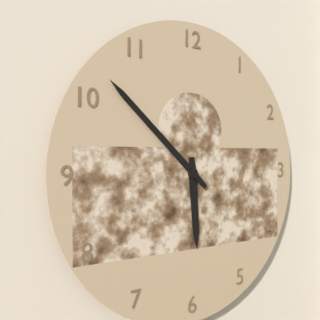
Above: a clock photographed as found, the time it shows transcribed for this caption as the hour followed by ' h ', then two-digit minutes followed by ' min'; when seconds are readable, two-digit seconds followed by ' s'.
5 h 52 min
